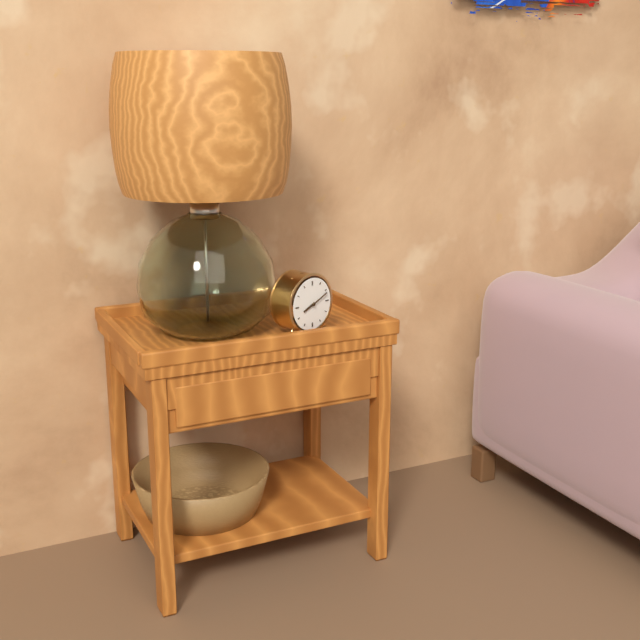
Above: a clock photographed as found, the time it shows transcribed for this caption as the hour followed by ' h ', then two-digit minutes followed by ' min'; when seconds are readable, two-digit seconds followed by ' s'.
8 h 11 min
